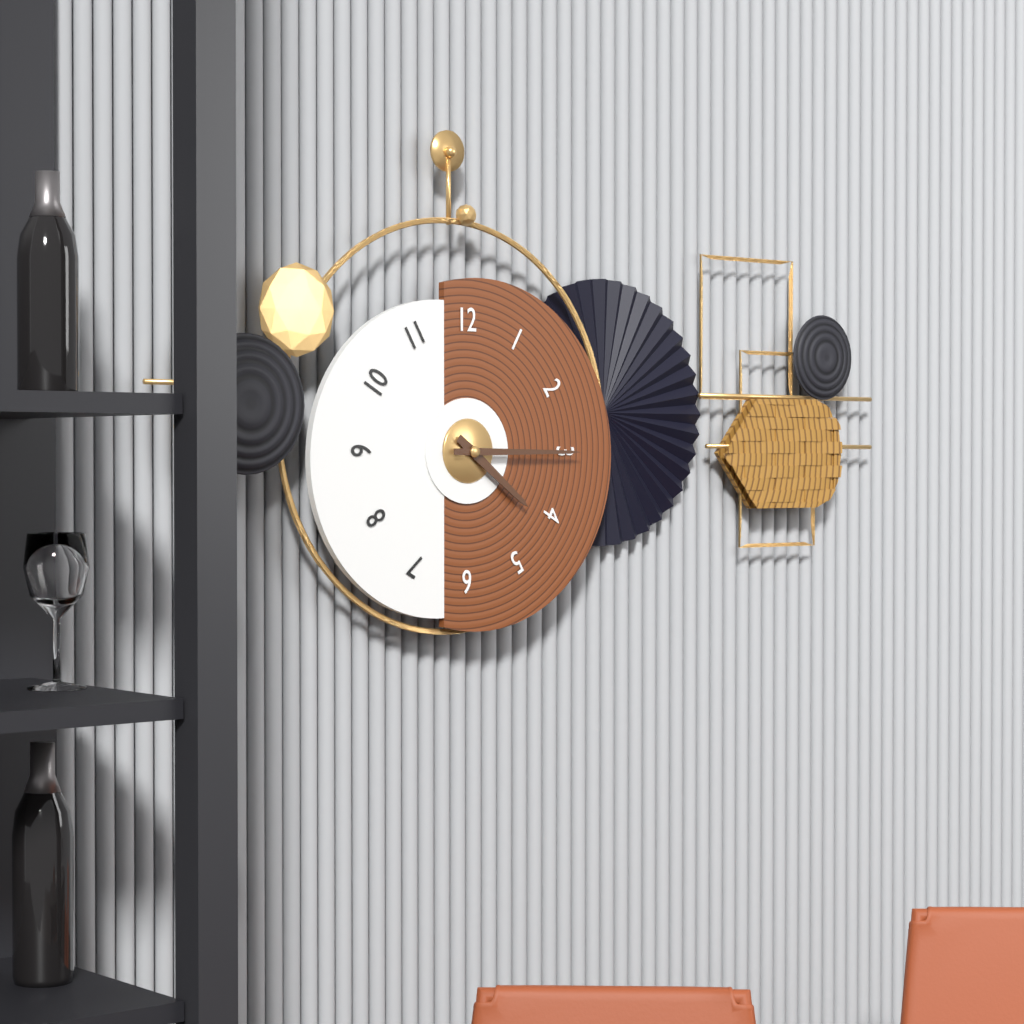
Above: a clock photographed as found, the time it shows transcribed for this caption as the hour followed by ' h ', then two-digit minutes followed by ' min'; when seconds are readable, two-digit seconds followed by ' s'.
4 h 15 min
